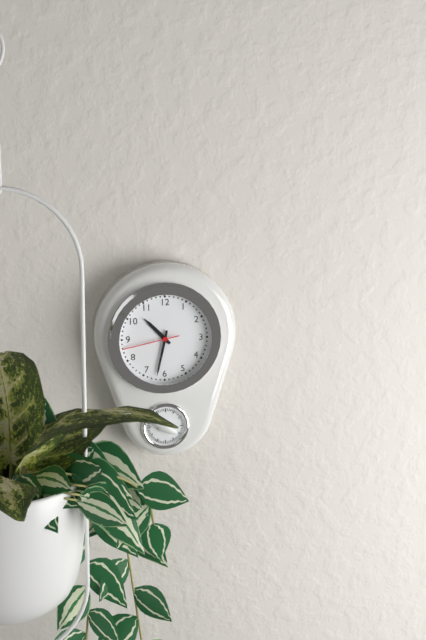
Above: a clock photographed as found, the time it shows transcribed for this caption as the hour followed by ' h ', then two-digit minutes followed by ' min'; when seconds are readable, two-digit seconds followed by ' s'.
10 h 32 min 43 s
